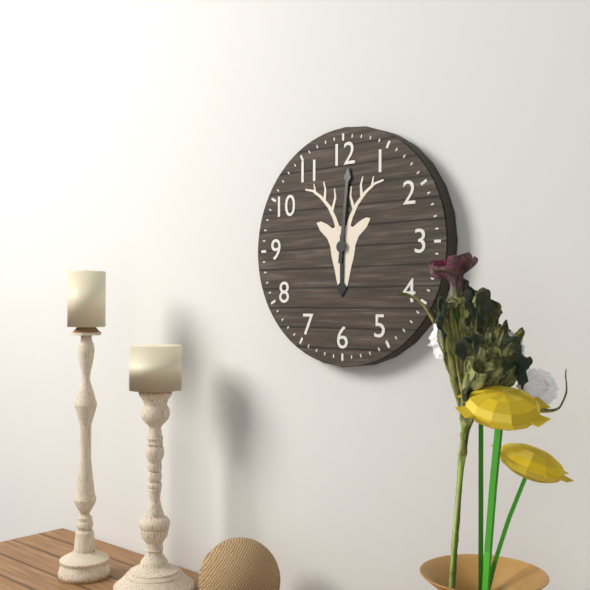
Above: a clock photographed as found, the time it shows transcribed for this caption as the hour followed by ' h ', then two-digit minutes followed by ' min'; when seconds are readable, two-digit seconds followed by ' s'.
6 h 01 min
